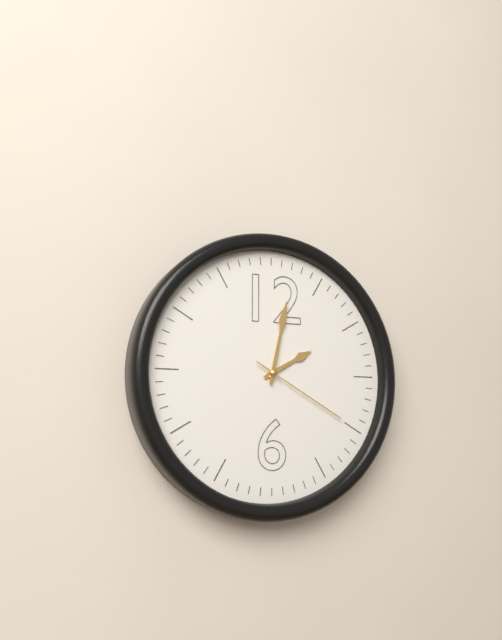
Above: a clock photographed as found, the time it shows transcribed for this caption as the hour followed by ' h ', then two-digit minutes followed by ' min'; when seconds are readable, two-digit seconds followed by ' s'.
2 h 02 min 20 s
